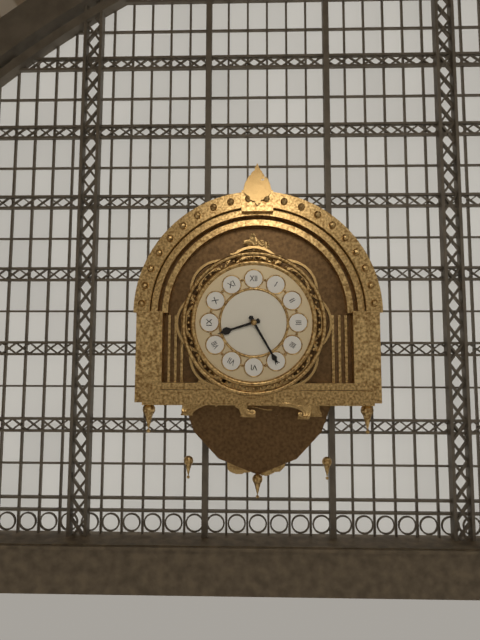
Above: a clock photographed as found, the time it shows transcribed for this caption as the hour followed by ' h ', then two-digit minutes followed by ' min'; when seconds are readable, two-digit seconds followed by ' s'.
8 h 25 min
